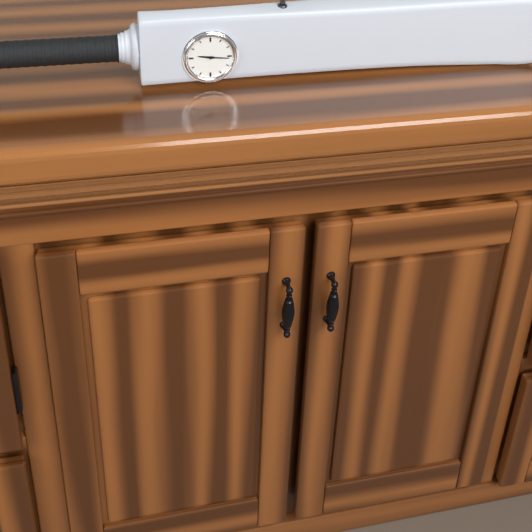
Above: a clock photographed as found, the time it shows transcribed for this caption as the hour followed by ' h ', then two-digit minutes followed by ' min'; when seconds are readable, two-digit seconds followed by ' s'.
9 h 16 min
